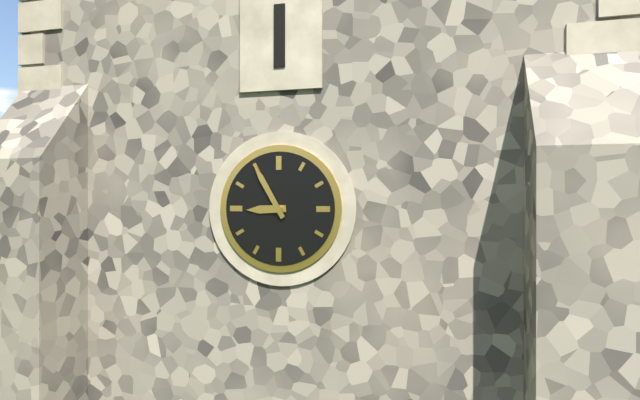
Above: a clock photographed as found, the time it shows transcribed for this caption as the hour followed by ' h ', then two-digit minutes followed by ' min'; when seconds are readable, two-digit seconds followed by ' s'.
8 h 55 min
